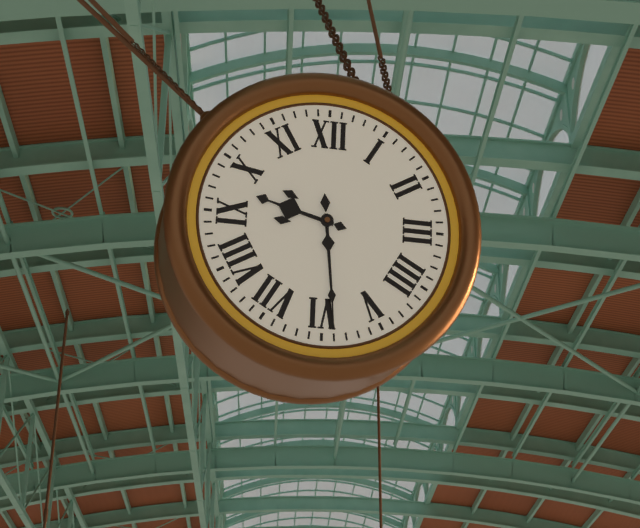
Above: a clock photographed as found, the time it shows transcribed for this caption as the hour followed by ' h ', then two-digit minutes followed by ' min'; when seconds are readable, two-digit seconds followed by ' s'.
9 h 29 min
